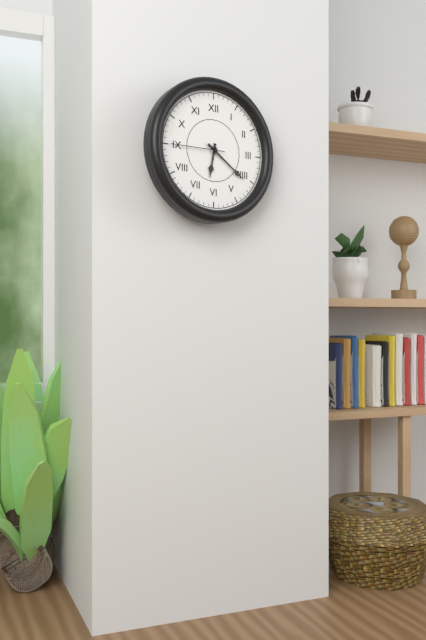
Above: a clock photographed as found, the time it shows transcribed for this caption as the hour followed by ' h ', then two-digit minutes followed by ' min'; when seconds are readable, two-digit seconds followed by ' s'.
6 h 21 min 45 s
